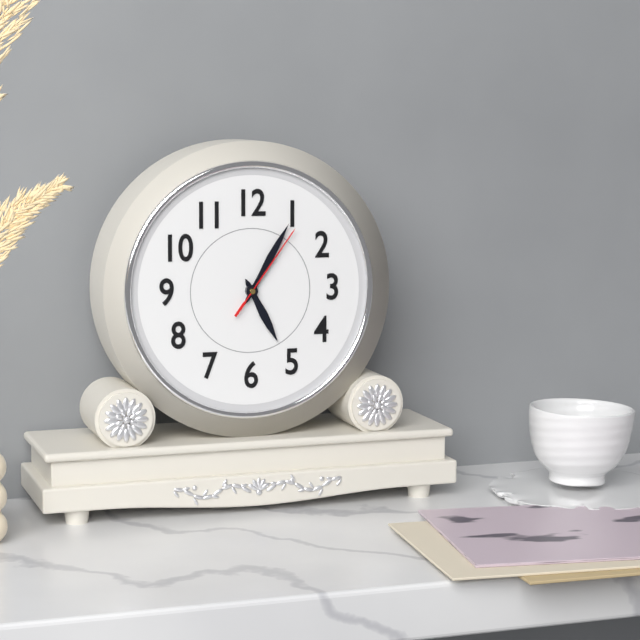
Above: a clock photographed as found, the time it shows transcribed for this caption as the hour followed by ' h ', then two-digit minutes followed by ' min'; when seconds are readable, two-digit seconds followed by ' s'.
5 h 05 min 06 s
